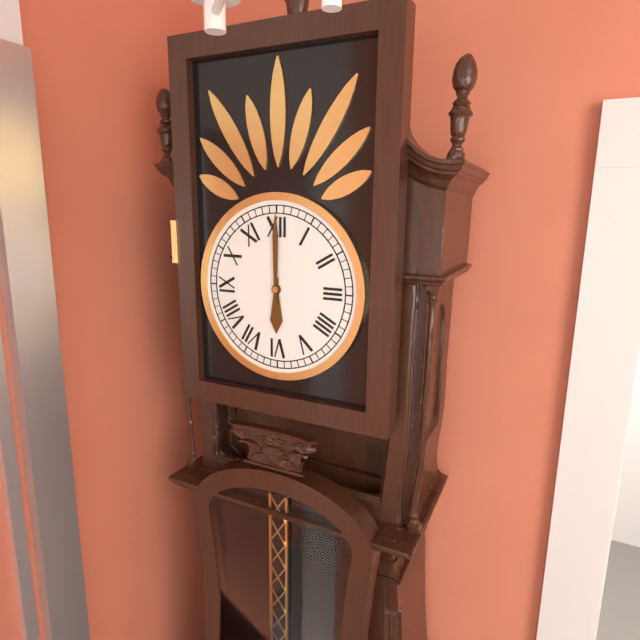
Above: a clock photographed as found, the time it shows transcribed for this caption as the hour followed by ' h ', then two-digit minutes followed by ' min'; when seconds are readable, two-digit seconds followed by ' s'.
6 h 00 min
